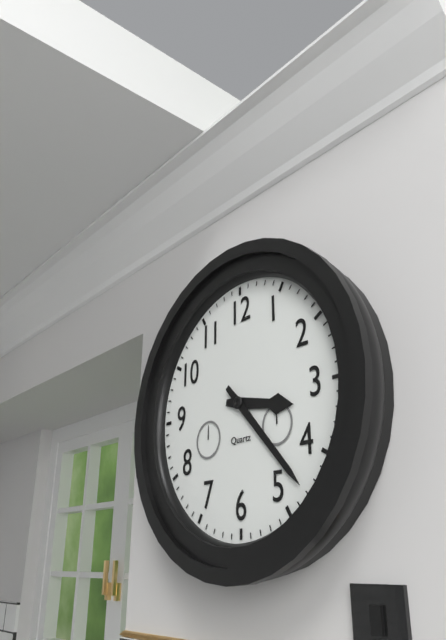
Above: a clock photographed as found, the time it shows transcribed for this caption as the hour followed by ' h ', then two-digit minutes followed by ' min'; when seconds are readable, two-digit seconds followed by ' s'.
3 h 23 min
